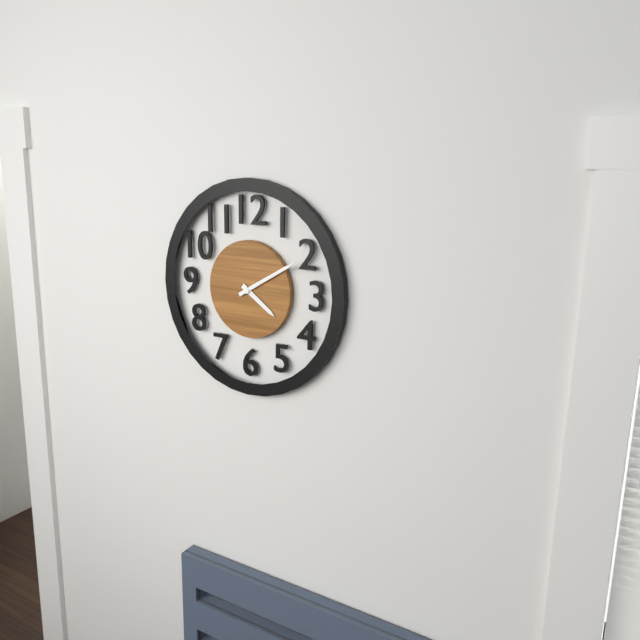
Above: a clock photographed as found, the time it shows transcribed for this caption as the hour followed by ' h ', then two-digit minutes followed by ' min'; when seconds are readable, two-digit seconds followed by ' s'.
4 h 10 min
